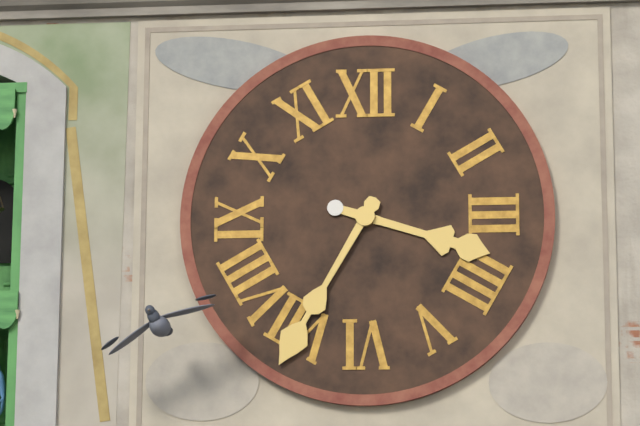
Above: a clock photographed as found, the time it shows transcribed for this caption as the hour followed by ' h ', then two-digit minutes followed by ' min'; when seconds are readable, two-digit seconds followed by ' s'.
3 h 35 min
